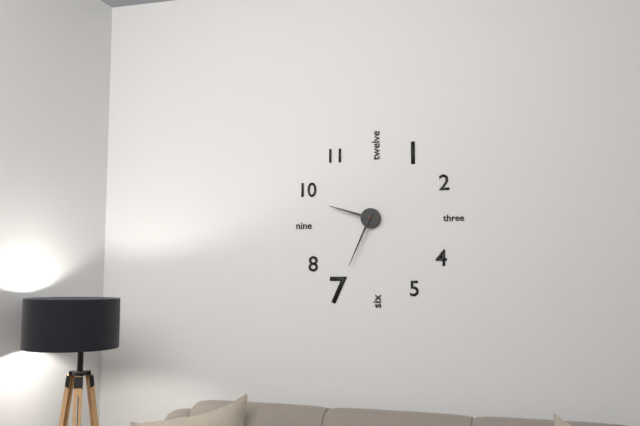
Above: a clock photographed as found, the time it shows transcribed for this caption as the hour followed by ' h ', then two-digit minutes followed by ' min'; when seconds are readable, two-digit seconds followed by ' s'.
9 h 34 min
